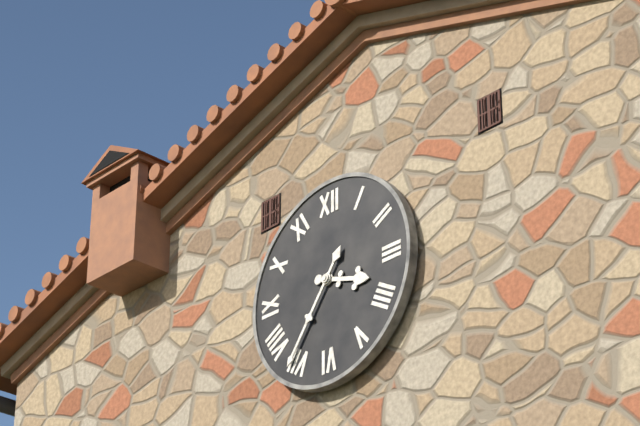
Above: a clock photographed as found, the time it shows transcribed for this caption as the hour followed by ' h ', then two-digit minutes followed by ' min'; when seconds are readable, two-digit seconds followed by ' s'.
3 h 36 min
